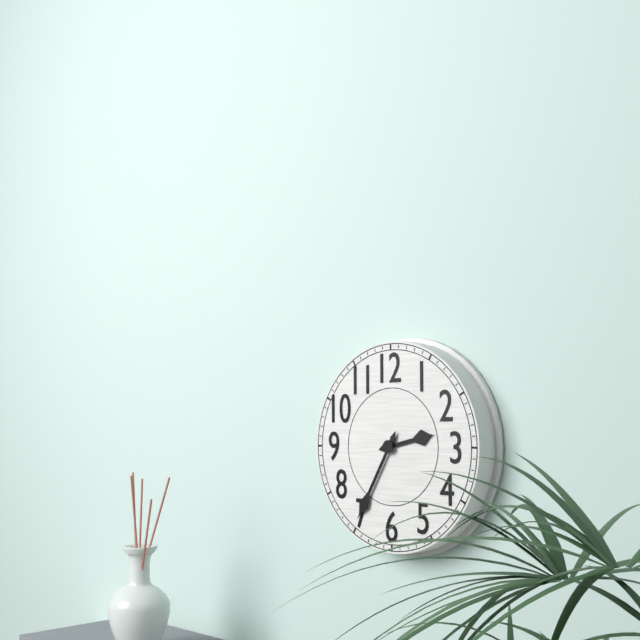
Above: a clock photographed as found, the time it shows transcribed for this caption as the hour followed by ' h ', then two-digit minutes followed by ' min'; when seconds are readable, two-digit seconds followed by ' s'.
2 h 35 min
